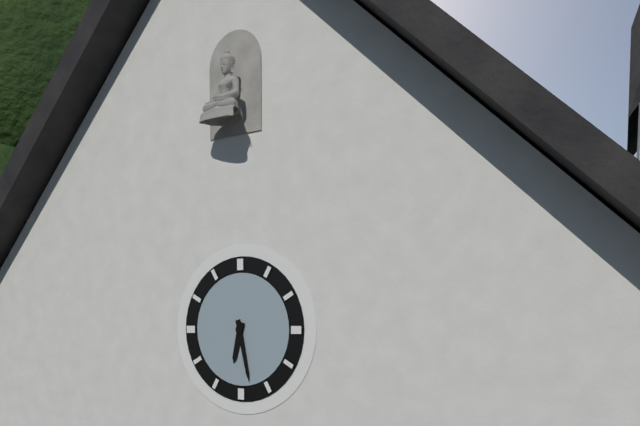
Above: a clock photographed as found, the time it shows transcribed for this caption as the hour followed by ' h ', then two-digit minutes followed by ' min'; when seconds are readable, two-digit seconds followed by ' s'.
6 h 28 min
